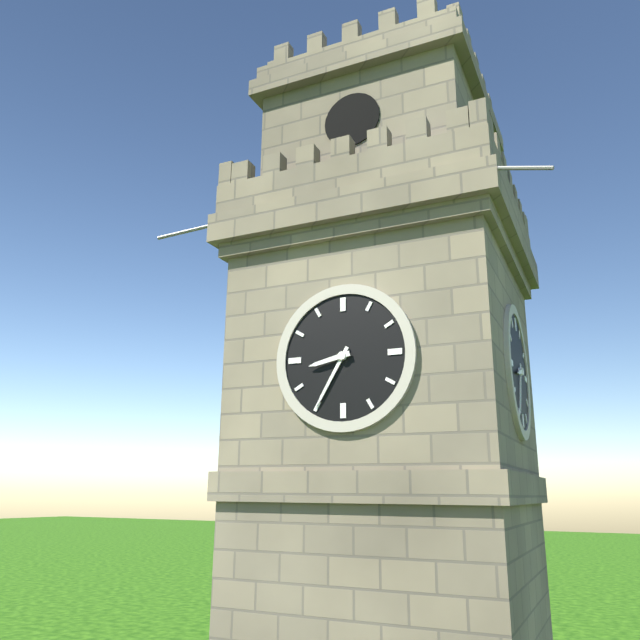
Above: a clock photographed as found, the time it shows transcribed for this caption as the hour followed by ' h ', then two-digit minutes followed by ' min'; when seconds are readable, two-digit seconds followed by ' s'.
8 h 35 min
